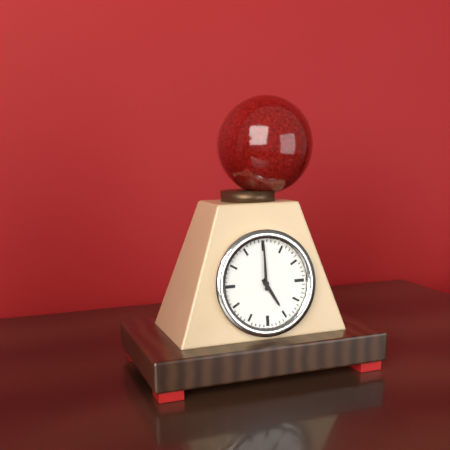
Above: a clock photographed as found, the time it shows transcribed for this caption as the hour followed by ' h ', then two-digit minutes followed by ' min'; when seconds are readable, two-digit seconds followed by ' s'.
5 h 00 min
